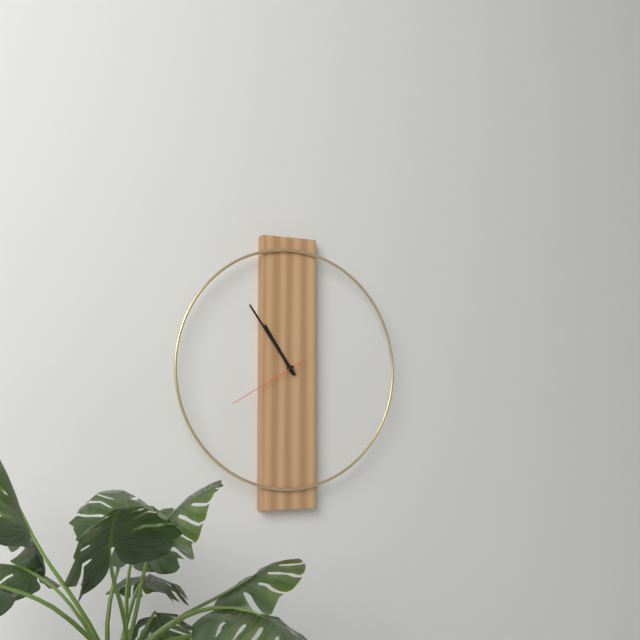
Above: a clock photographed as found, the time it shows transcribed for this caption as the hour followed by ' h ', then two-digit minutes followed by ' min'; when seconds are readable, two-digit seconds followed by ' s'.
10 h 54 min 40 s
